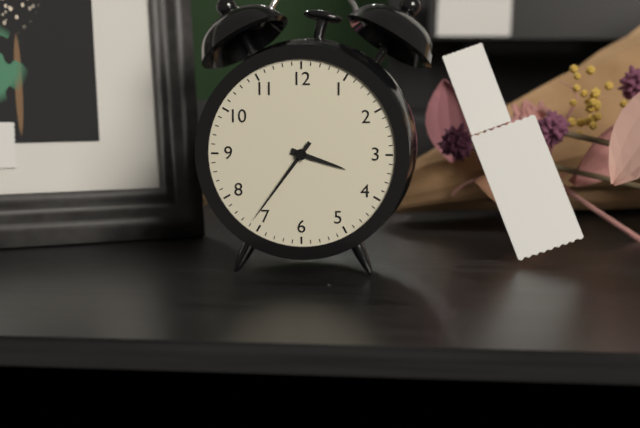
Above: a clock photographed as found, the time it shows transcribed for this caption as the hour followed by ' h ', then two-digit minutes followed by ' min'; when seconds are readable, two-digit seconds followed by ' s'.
3 h 36 min
